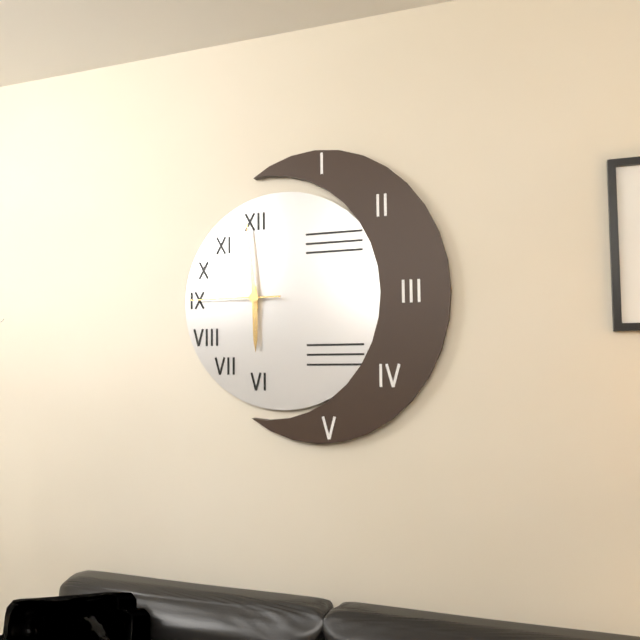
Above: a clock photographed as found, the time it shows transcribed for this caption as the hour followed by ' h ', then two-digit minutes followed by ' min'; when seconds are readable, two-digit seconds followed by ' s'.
5 h 59 min 45 s
